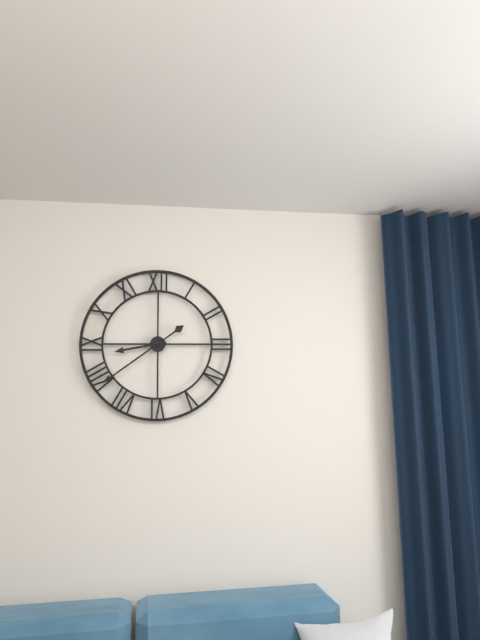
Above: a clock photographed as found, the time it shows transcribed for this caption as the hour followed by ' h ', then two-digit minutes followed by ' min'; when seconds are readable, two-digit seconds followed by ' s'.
8 h 39 min
